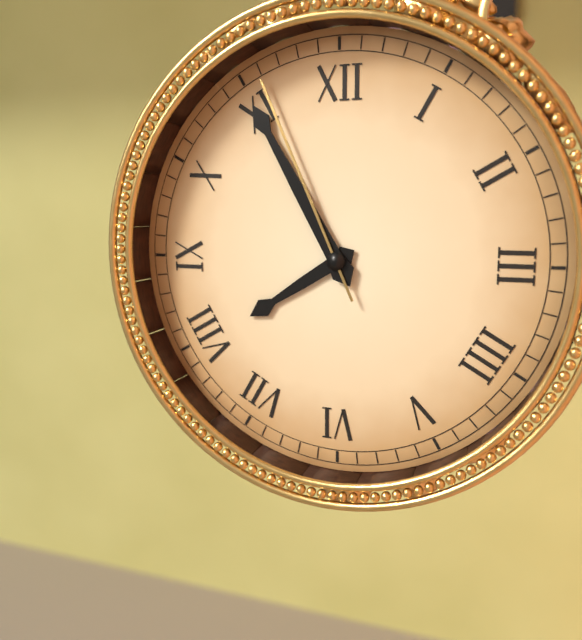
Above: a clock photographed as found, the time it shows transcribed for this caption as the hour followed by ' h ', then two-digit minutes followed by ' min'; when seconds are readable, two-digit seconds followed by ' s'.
7 h 55 min 56 s
